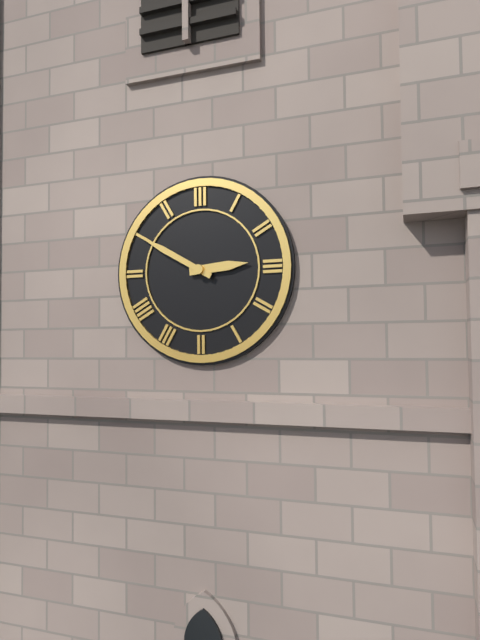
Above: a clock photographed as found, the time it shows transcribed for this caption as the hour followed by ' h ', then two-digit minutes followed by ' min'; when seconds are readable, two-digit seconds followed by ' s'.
2 h 50 min
